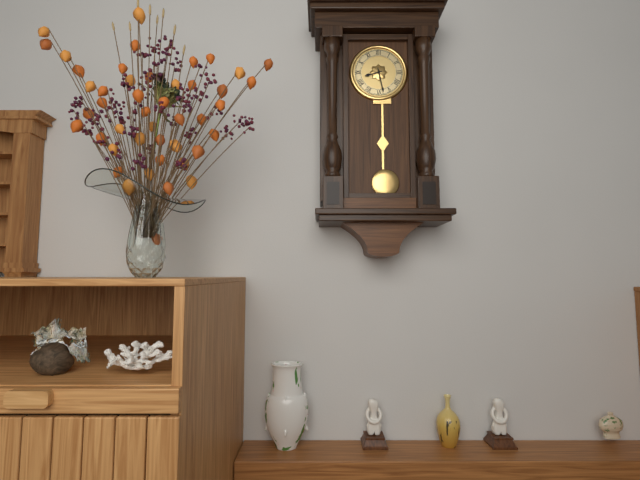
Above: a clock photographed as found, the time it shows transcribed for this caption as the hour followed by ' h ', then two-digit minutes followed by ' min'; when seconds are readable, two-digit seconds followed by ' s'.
8 h 28 min
